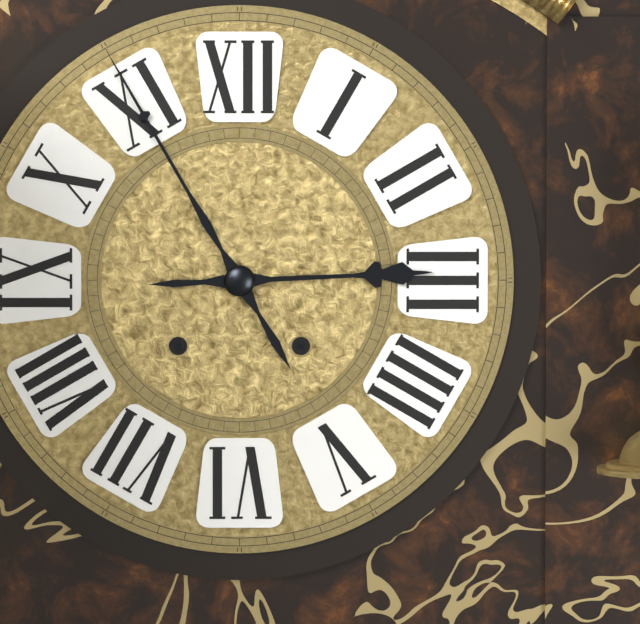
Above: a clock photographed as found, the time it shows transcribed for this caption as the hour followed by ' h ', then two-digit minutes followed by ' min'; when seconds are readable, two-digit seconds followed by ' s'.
2 h 55 min
